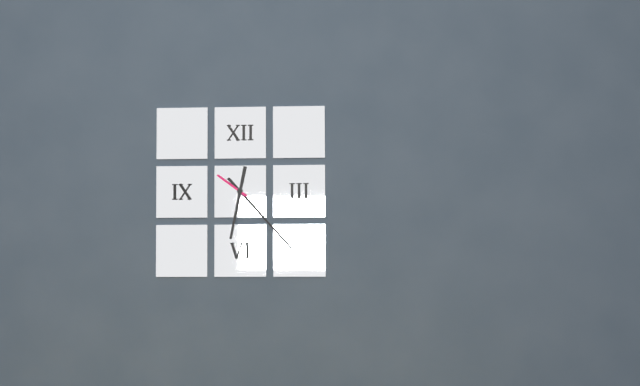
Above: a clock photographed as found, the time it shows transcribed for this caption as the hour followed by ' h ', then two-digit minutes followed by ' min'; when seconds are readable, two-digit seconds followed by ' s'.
6 h 23 min
